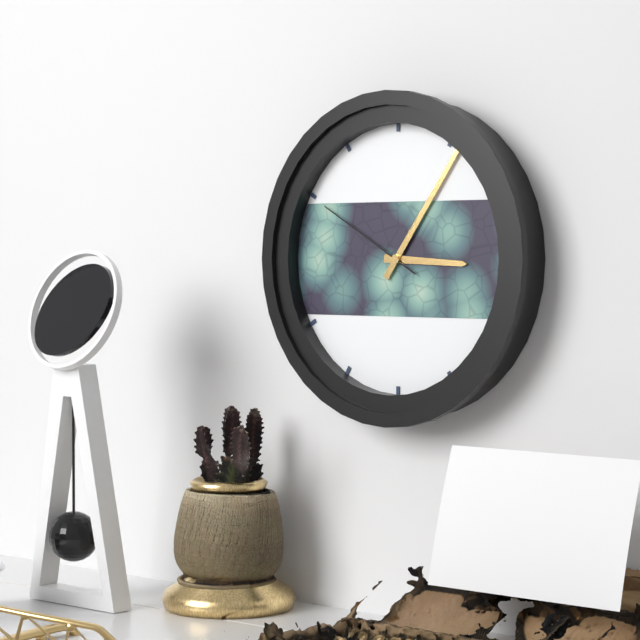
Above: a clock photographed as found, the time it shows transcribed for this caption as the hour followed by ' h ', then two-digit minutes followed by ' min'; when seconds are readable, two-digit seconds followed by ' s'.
3 h 06 min 50 s
